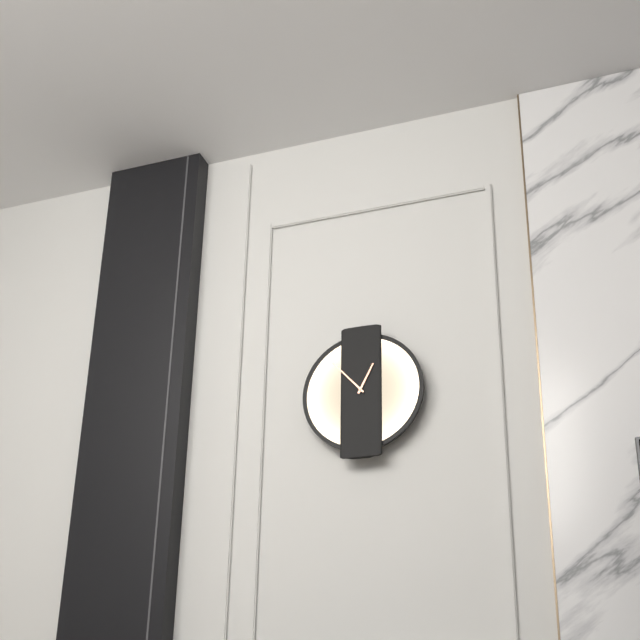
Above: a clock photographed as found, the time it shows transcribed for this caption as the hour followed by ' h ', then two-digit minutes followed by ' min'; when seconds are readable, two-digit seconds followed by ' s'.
12 h 53 min
